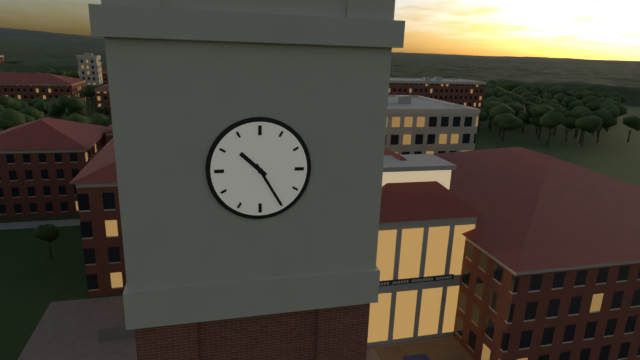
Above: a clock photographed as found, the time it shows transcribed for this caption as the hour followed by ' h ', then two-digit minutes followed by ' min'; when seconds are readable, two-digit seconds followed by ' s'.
10 h 25 min
